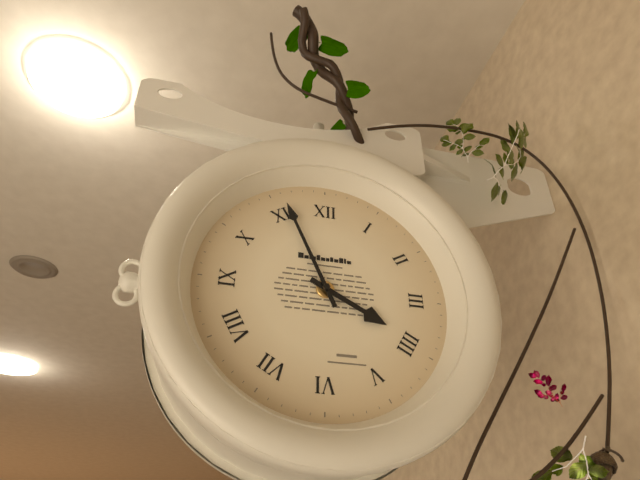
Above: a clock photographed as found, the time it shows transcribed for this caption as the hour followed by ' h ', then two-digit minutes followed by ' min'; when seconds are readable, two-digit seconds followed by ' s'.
3 h 56 min
